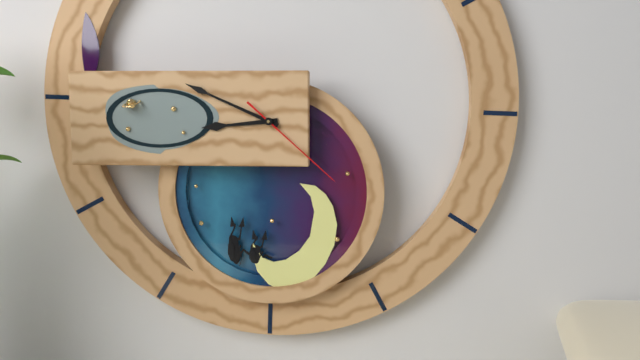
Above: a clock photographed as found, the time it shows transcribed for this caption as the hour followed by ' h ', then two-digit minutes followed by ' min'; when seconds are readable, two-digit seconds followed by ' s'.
8 h 49 min 22 s
